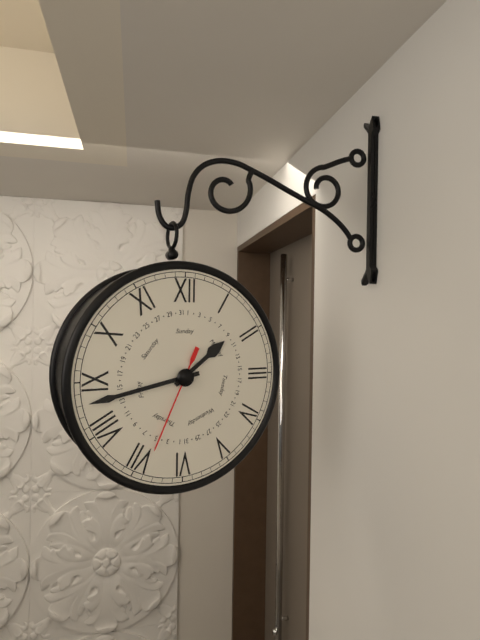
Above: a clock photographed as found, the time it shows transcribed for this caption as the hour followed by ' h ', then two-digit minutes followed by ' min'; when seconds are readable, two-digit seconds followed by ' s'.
1 h 43 min 34 s
